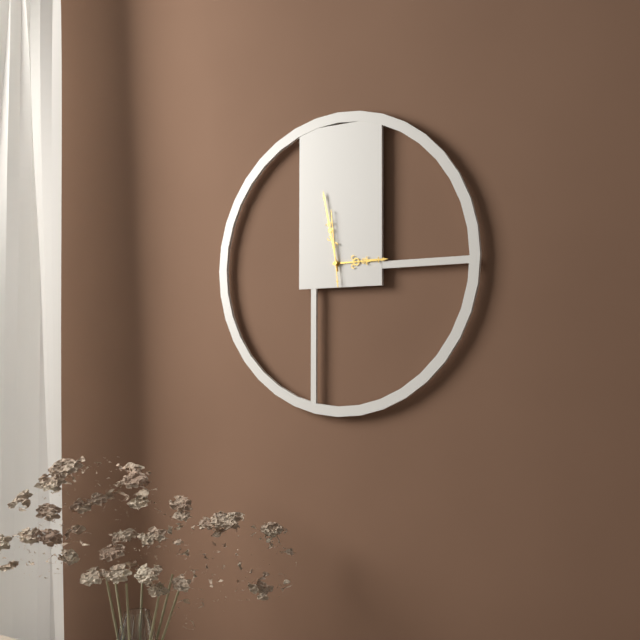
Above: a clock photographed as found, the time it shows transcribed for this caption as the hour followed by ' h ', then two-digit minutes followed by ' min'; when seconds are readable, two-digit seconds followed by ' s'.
2 h 58 min 59 s
